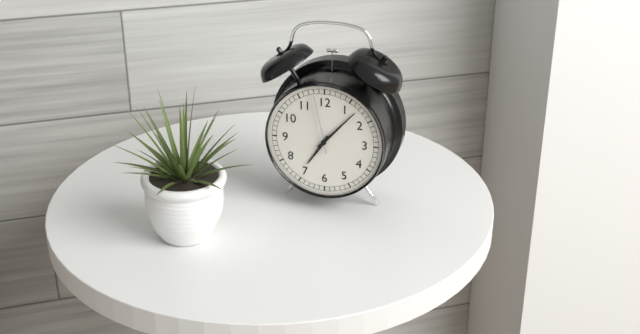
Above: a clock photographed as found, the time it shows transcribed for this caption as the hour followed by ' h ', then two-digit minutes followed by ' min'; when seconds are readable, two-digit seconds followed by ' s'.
7 h 07 min 58 s
